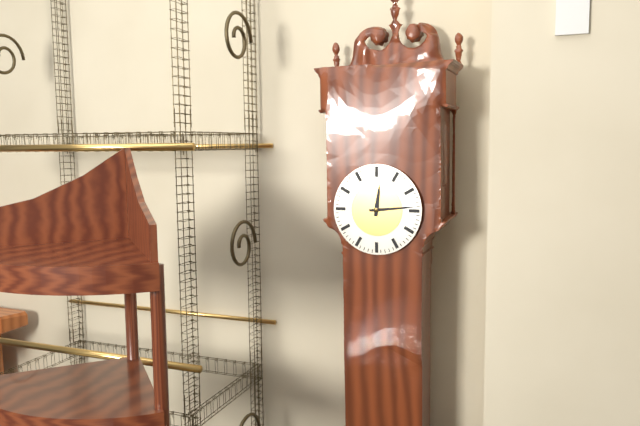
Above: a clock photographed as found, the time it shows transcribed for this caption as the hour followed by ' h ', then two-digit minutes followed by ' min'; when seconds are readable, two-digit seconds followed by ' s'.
12 h 14 min
